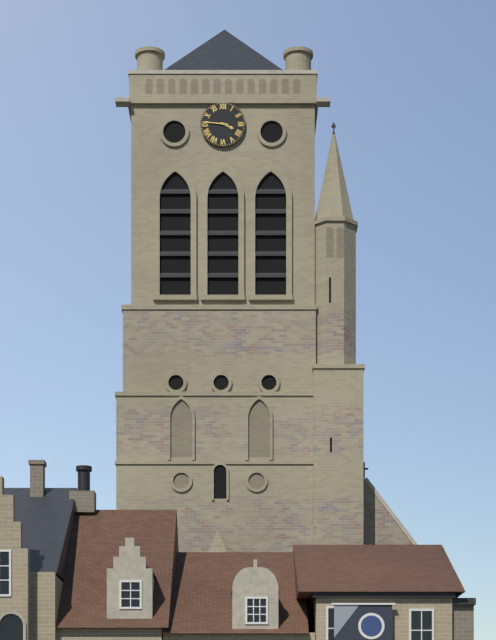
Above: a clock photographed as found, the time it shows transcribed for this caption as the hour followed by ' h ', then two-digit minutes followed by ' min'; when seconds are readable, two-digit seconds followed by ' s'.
3 h 46 min
